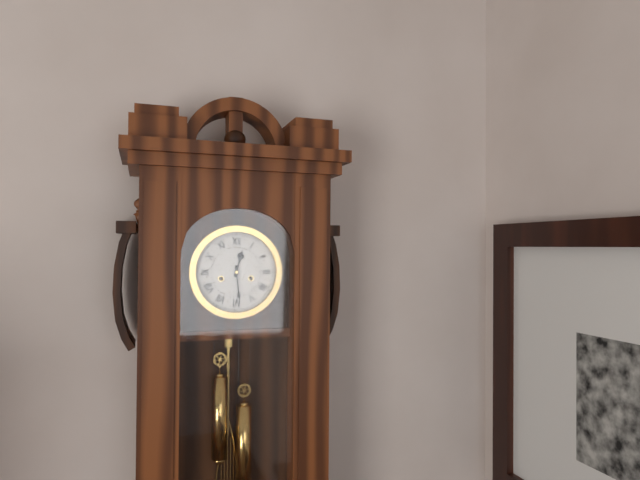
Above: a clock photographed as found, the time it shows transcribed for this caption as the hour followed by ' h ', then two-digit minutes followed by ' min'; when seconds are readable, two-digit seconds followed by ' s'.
12 h 29 min
